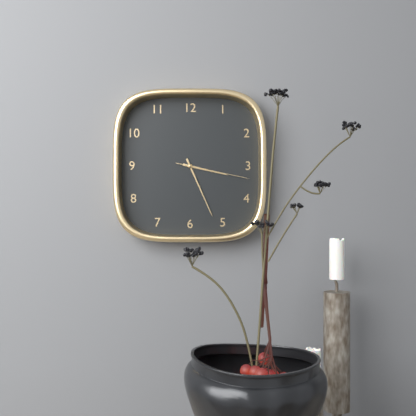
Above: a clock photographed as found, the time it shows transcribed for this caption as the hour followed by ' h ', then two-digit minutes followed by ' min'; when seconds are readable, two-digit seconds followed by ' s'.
3 h 26 min 17 s
